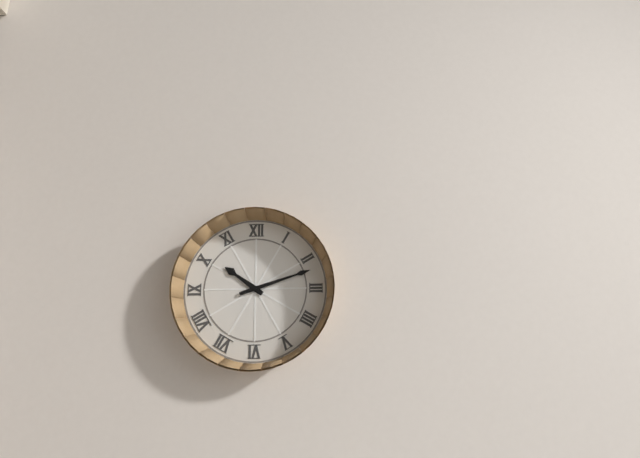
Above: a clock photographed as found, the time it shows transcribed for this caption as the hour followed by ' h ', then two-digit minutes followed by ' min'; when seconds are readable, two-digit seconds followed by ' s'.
10 h 12 min
